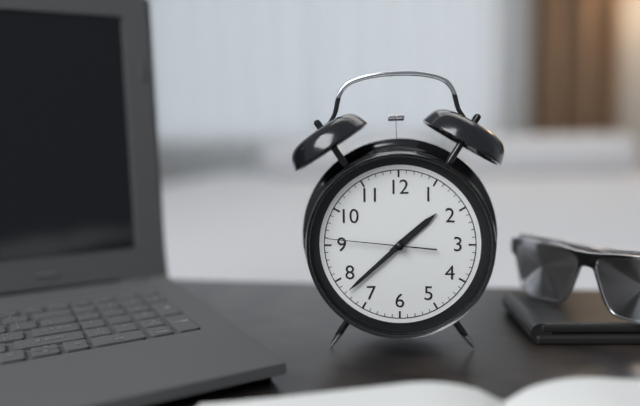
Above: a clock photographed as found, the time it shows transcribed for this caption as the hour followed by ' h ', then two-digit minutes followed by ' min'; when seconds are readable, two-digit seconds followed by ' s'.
1 h 38 min 46 s
